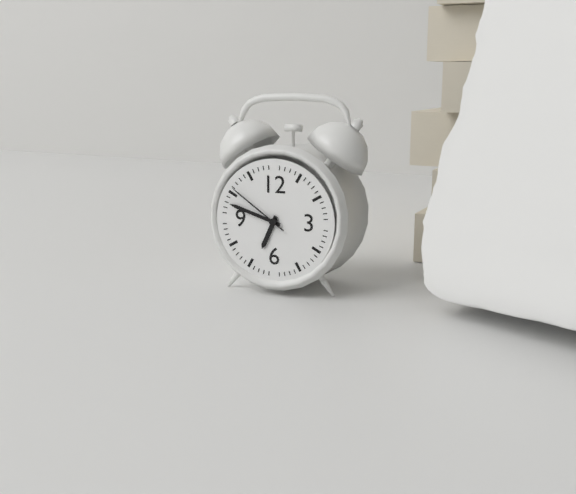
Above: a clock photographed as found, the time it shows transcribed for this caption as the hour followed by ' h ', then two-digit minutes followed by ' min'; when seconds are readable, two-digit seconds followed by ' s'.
6 h 48 min 51 s
